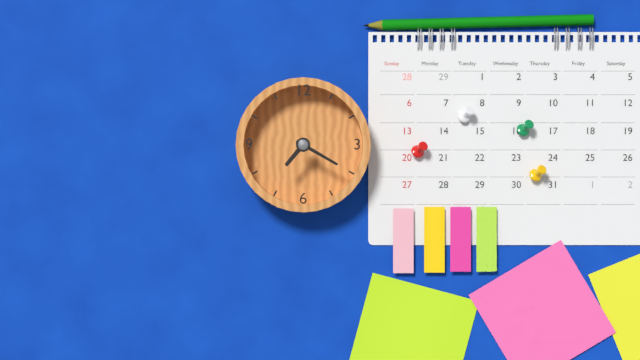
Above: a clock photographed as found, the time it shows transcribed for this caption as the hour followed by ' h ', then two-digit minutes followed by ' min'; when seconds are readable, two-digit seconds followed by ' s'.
7 h 20 min
